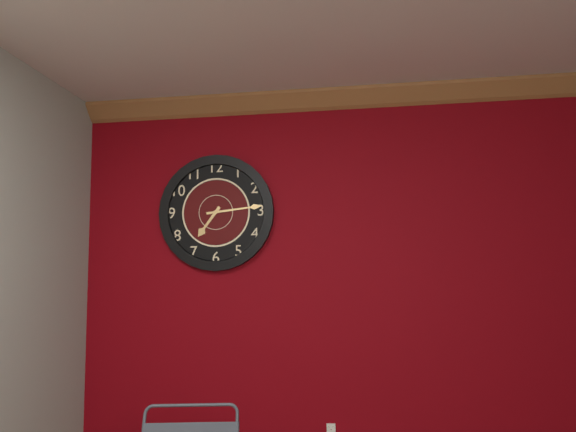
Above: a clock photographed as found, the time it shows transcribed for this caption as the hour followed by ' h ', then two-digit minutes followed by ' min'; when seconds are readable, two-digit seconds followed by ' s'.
7 h 14 min
